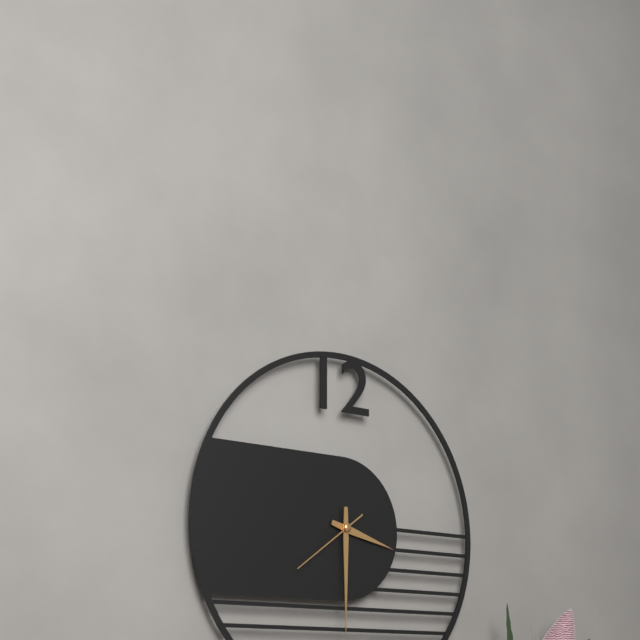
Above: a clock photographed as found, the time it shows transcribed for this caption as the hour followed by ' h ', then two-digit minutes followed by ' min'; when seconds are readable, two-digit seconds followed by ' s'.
3 h 30 min 39 s
